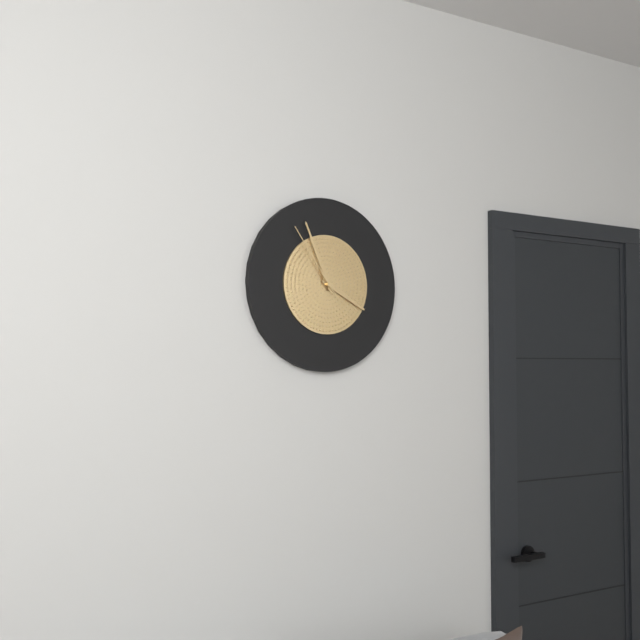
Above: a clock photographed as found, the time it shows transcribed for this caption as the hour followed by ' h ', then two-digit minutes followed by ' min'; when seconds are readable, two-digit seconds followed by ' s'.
3 h 56 min 54 s
